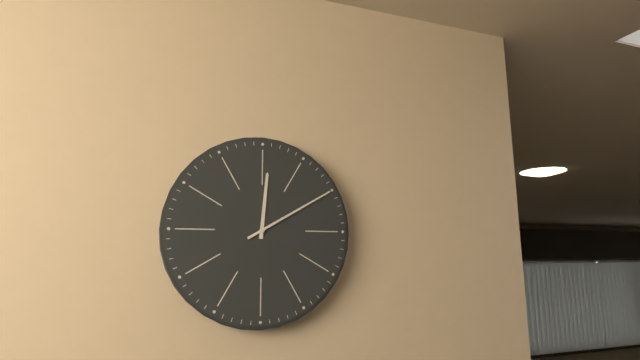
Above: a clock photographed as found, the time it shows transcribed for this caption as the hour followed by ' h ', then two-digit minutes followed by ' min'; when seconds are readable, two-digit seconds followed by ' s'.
12 h 10 min
